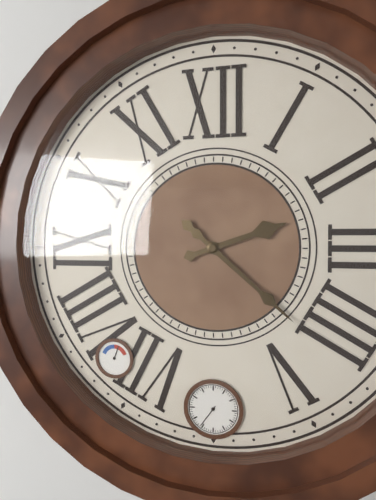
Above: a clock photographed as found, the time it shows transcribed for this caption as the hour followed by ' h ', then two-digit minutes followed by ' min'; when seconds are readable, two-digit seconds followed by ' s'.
2 h 22 min
